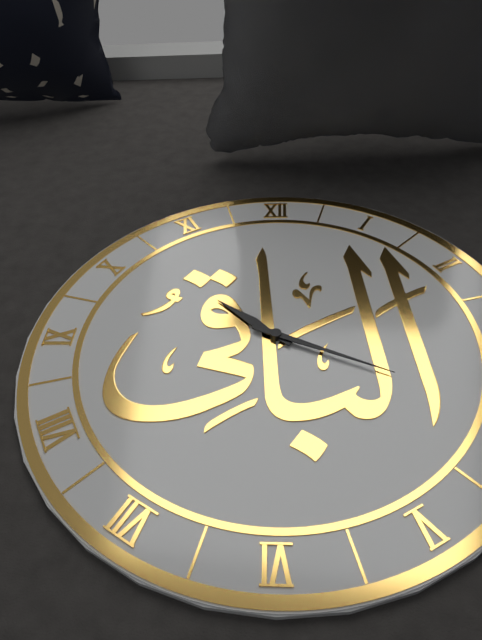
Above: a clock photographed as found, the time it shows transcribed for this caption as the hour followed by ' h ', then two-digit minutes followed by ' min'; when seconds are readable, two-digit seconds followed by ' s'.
10 h 19 min
